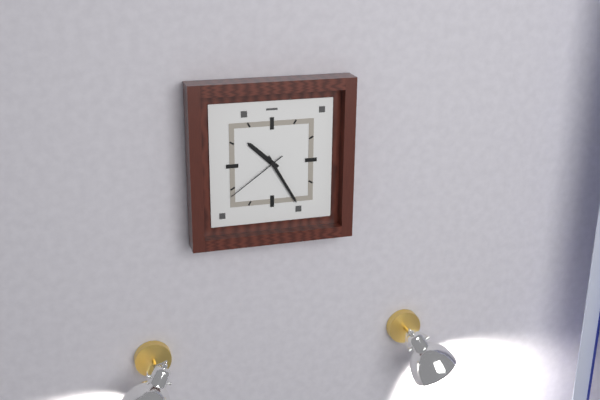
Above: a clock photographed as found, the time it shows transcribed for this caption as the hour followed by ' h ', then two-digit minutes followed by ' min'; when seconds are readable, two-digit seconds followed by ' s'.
10 h 25 min 39 s
